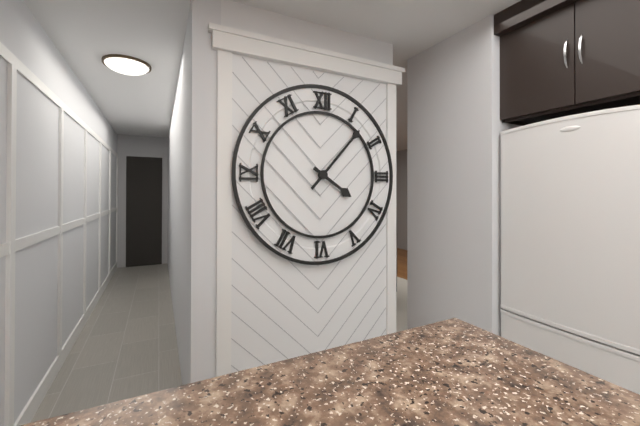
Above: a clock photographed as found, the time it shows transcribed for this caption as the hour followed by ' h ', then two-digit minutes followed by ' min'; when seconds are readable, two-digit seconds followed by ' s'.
4 h 07 min
